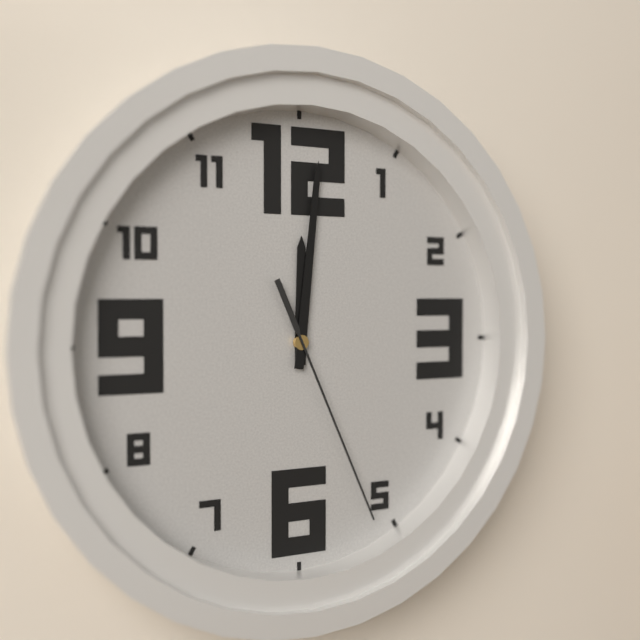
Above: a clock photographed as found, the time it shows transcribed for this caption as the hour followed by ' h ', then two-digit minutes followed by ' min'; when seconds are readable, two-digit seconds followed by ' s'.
12 h 01 min 26 s
